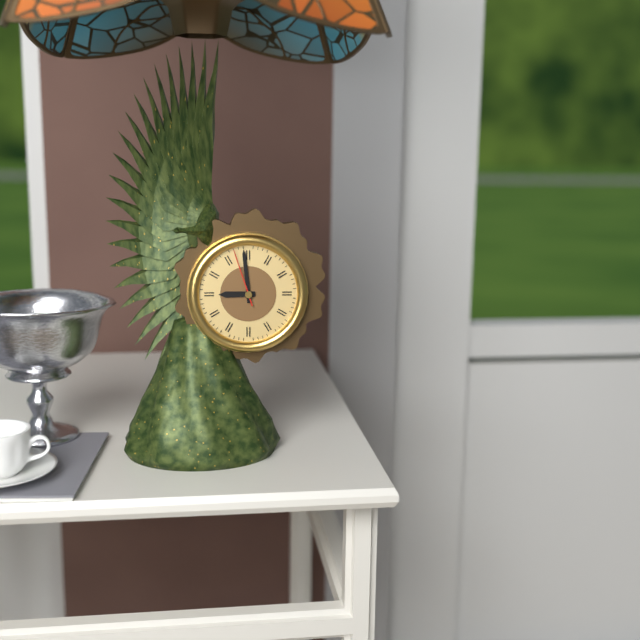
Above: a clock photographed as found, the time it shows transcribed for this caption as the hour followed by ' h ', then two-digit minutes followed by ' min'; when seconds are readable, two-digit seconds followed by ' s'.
8 h 59 min 57 s
